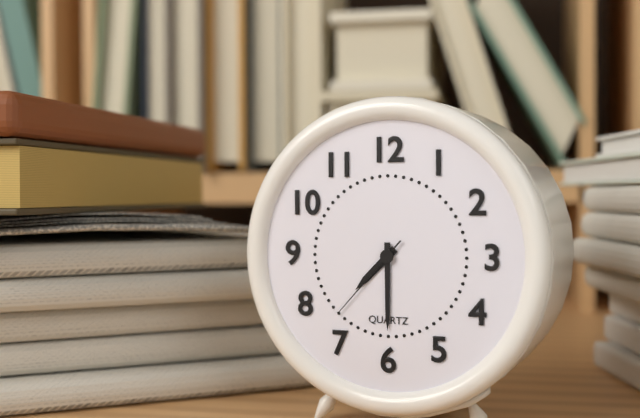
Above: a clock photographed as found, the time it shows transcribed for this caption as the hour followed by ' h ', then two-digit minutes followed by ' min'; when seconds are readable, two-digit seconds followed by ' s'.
7 h 30 min 37 s
